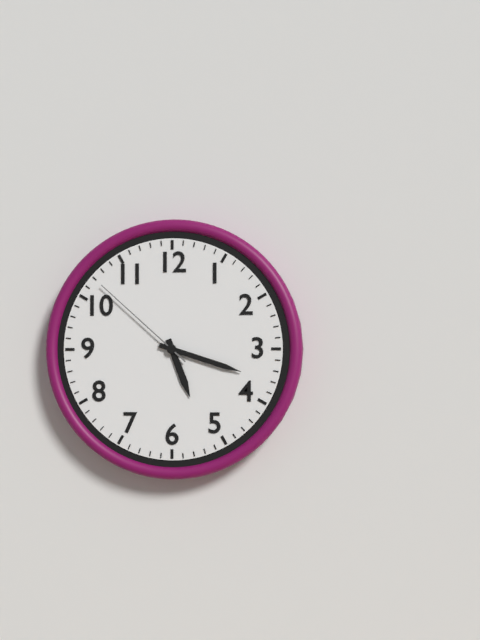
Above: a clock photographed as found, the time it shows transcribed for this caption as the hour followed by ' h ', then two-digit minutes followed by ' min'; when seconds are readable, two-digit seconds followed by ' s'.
5 h 18 min 52 s
